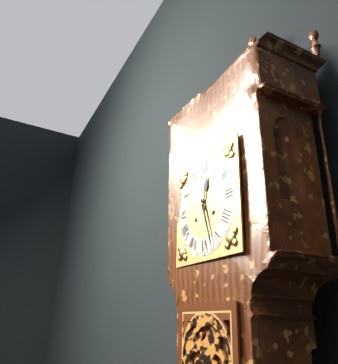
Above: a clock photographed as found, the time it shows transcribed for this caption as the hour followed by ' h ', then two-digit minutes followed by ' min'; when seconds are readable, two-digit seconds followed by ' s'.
12 h 27 min
